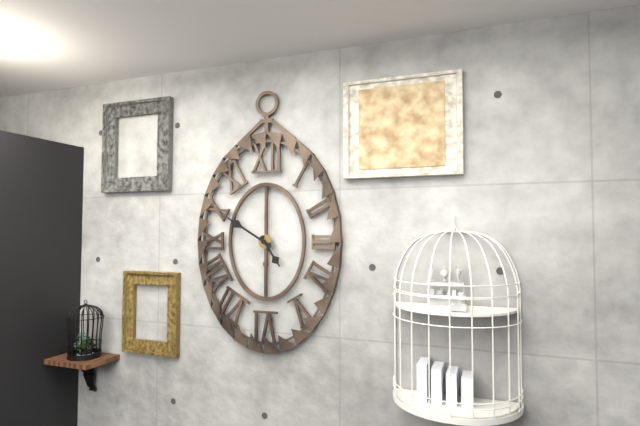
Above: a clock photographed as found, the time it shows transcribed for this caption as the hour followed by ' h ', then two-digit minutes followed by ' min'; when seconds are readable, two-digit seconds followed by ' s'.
4 h 50 min
